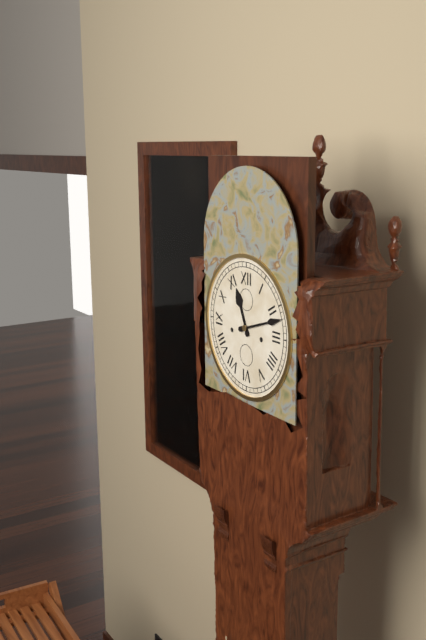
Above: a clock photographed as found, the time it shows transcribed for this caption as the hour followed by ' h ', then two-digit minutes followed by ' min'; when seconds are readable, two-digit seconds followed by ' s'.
11 h 12 min
